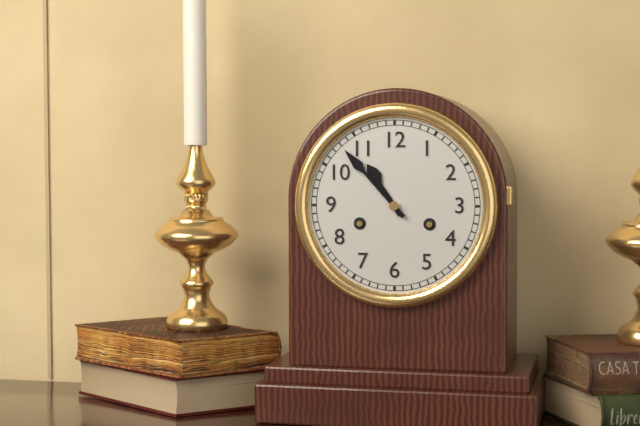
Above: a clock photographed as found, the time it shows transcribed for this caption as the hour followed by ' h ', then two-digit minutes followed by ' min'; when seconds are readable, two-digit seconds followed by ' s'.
10 h 53 min
